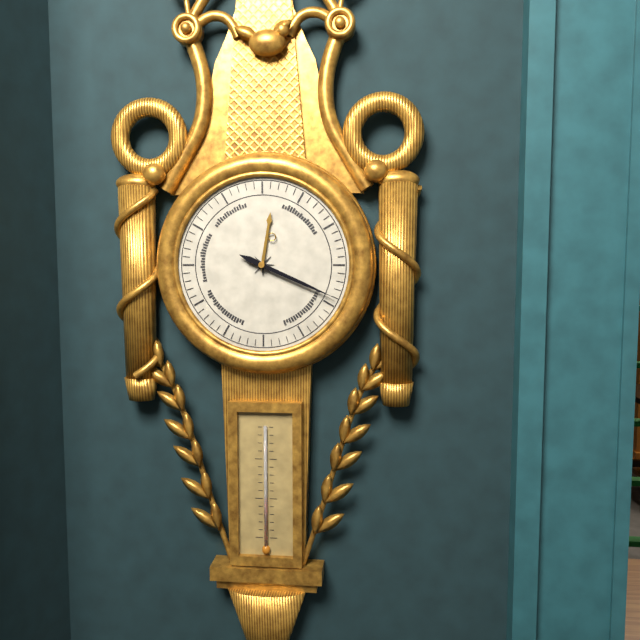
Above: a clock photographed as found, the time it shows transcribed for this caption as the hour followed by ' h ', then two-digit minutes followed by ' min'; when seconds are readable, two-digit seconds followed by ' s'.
12 h 19 min
